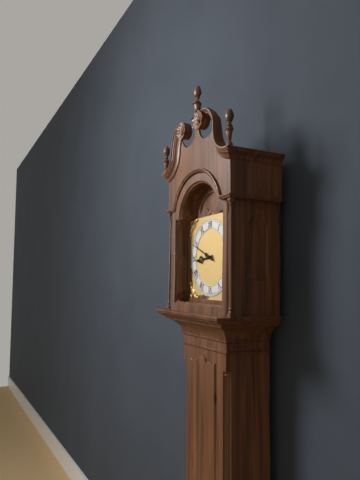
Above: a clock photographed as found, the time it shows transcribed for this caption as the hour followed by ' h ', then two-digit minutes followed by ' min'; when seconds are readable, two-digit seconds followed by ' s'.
8 h 49 min
